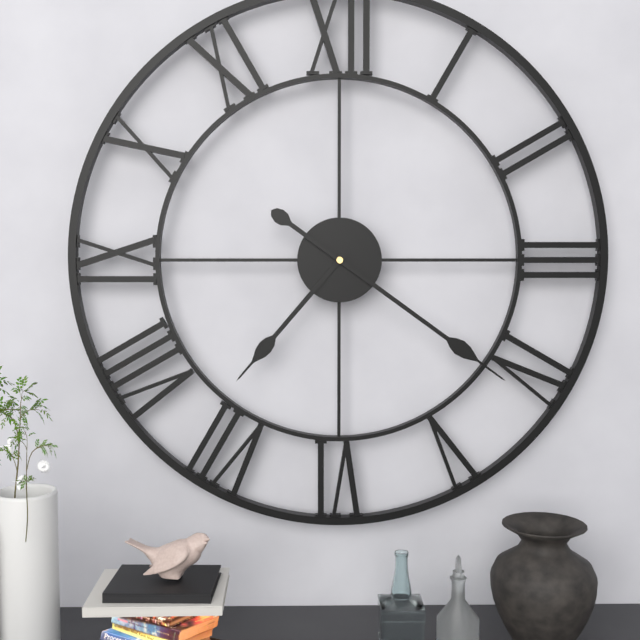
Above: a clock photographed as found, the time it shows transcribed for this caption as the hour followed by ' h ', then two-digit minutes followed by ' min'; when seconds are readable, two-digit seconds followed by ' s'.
7 h 21 min
